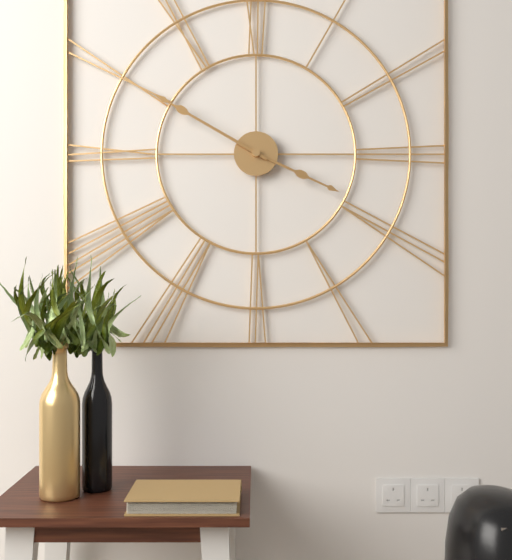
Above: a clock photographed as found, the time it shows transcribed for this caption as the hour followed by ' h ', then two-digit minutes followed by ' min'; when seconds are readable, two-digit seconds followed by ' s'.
3 h 50 min
